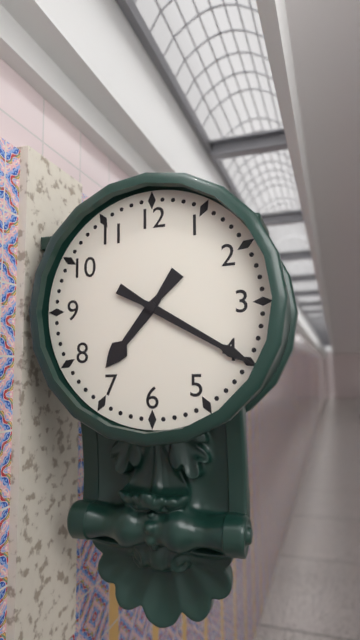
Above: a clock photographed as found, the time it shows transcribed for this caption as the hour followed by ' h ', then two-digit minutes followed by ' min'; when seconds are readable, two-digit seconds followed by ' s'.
7 h 20 min
